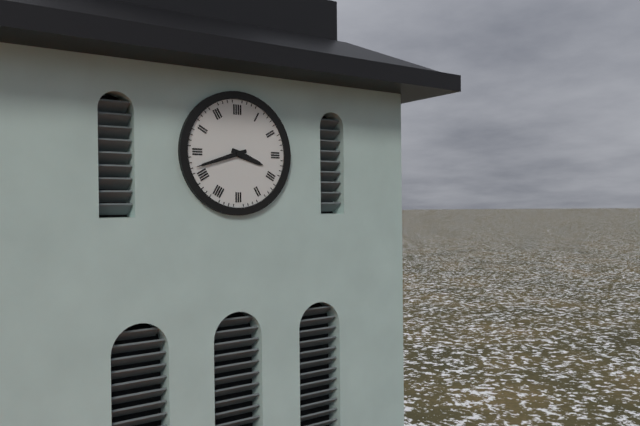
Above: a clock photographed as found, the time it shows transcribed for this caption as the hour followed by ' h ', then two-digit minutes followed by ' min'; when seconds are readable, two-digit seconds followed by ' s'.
3 h 42 min
